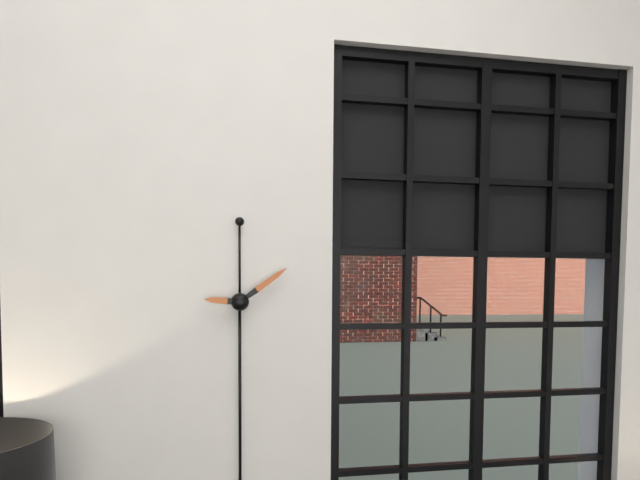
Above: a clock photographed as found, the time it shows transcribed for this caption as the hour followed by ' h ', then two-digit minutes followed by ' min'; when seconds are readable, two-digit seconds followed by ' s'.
9 h 09 min
